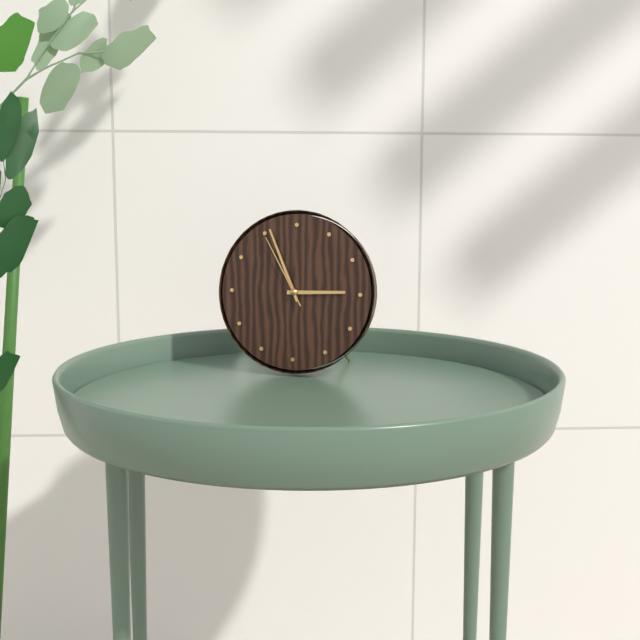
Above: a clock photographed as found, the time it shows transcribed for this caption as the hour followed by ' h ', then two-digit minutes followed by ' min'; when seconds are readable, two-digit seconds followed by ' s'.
2 h 56 min 55 s
